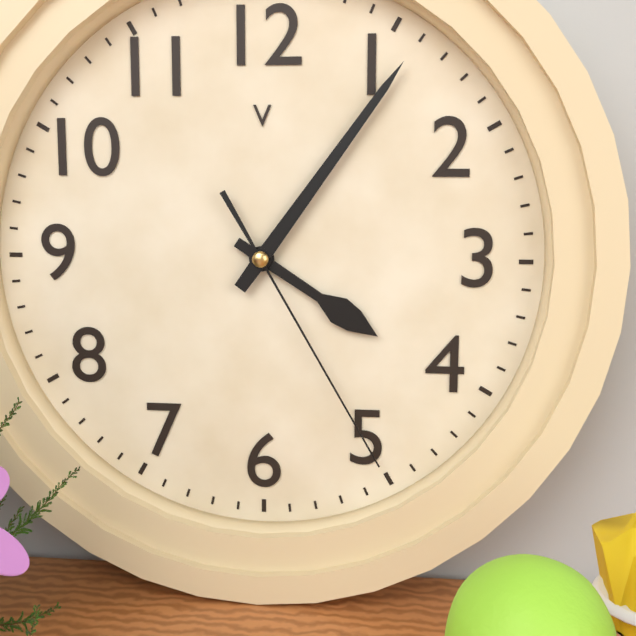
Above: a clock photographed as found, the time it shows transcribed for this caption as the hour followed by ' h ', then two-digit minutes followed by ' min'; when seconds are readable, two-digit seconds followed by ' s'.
4 h 06 min 25 s
